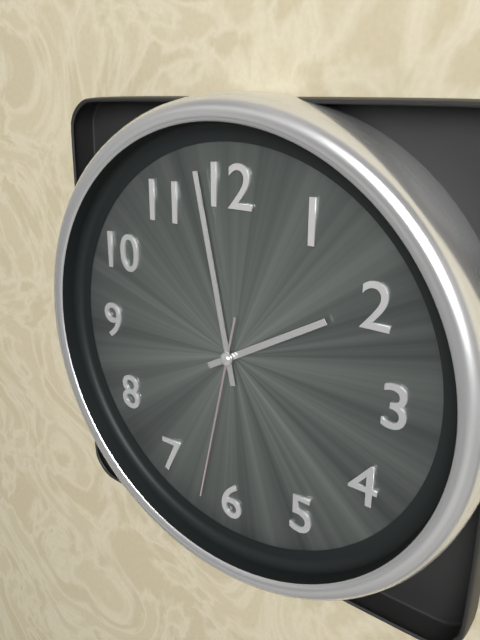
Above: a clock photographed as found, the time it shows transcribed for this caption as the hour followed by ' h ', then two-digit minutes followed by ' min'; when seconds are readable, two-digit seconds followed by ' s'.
1 h 58 min 32 s
